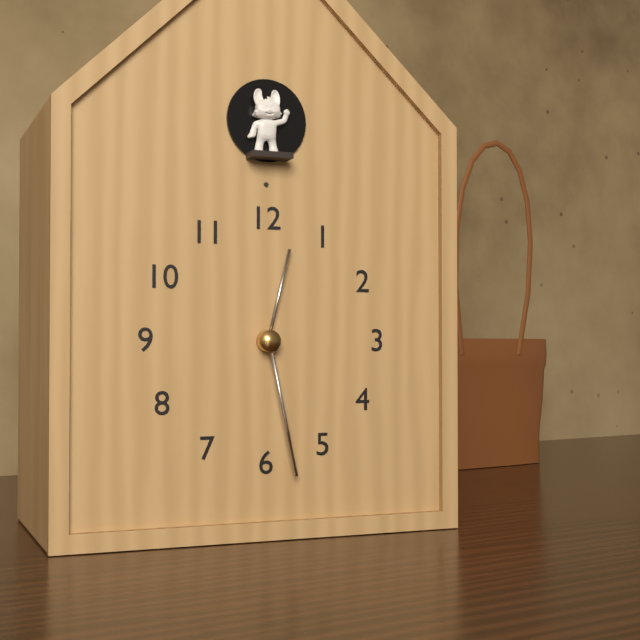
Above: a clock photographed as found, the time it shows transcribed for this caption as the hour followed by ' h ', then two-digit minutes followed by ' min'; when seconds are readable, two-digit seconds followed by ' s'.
12 h 28 min
